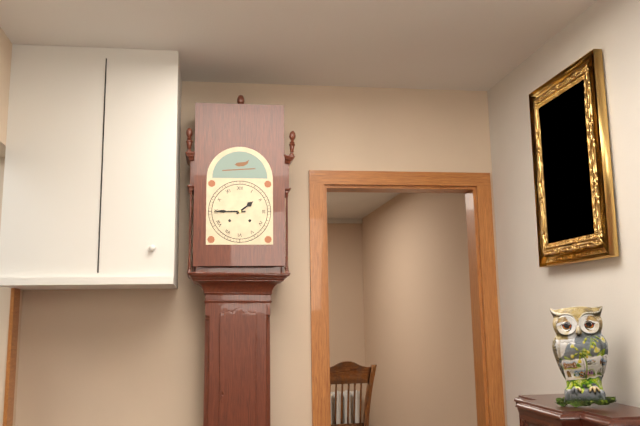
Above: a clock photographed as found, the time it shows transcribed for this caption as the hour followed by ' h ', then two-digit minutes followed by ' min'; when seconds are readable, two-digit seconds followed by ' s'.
1 h 45 min
